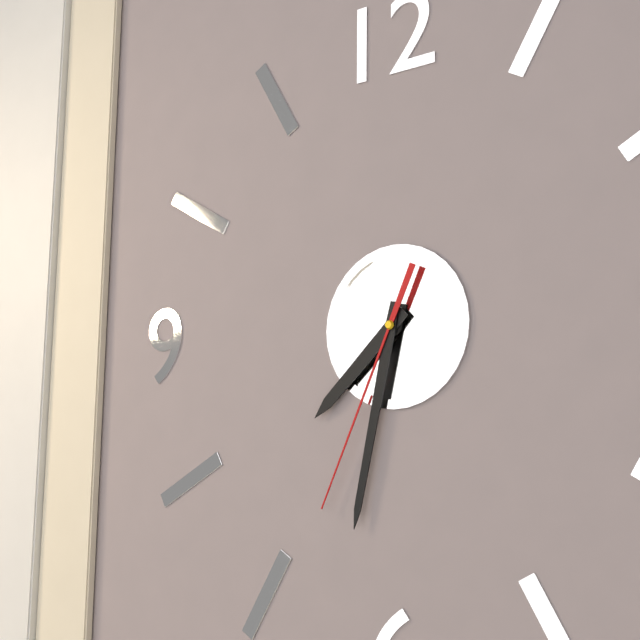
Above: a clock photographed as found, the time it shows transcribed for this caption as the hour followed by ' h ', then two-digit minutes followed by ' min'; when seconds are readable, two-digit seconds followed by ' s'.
7 h 32 min 34 s
